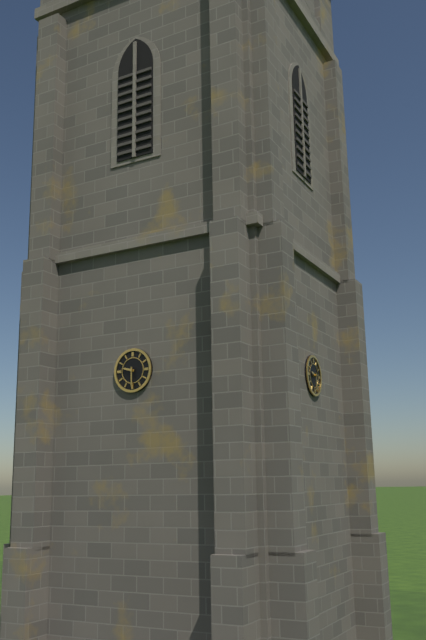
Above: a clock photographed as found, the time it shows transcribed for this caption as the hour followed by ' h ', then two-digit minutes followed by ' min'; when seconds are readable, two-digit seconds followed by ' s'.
9 h 30 min
